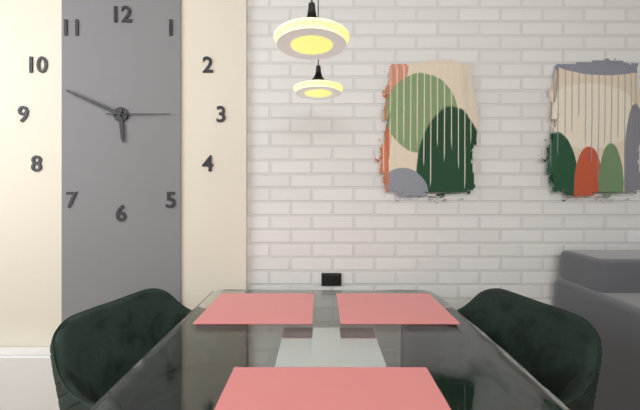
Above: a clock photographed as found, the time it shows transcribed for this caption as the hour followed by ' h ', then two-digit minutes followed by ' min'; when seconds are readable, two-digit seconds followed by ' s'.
5 h 49 min 15 s
